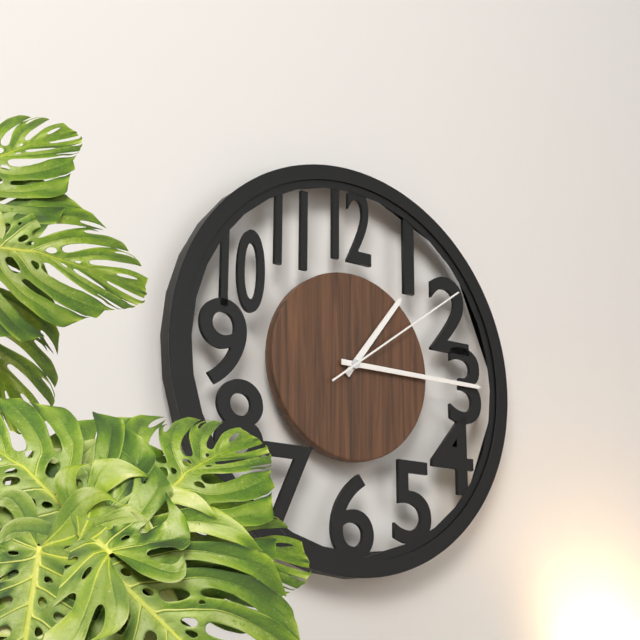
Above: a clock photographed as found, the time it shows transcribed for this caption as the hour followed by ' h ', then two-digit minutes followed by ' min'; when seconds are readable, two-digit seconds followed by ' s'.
1 h 15 min 09 s
